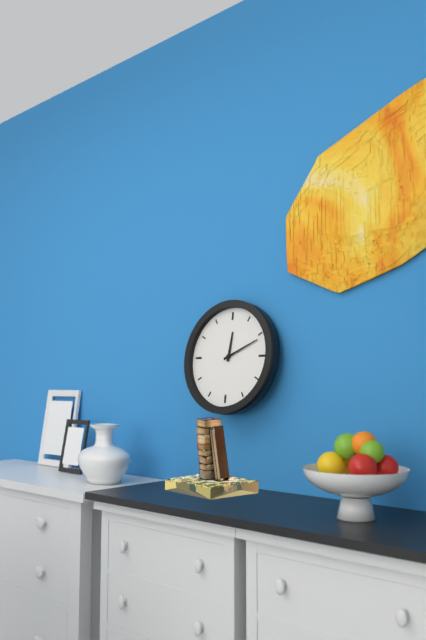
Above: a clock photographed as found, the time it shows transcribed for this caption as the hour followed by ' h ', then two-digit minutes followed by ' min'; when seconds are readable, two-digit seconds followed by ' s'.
12 h 11 min
